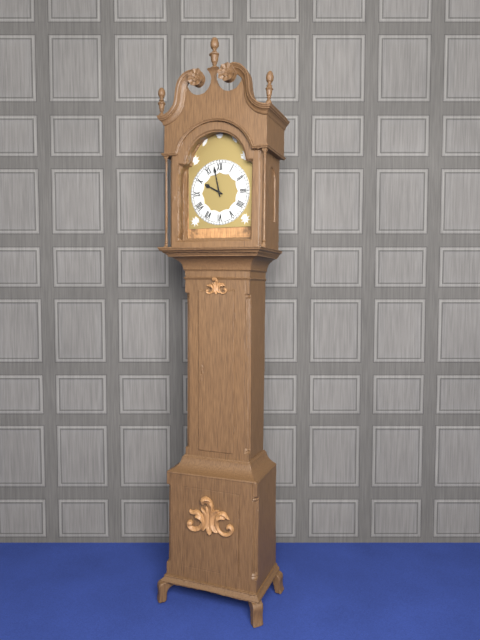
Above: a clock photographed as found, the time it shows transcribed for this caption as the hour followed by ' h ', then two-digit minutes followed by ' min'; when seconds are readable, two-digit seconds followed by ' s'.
9 h 58 min
